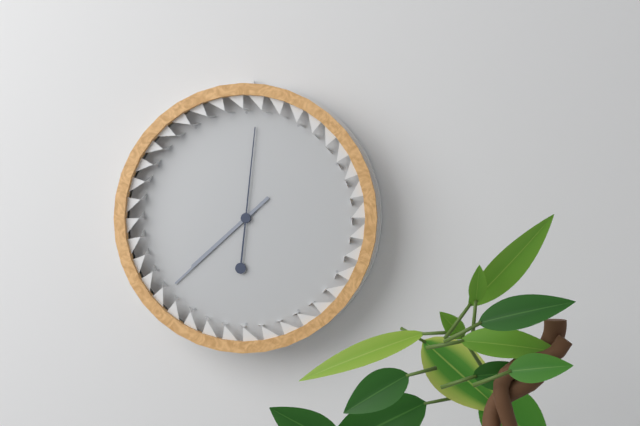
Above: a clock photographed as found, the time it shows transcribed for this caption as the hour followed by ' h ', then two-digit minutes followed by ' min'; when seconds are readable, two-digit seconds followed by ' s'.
7 h 38 min 01 s
